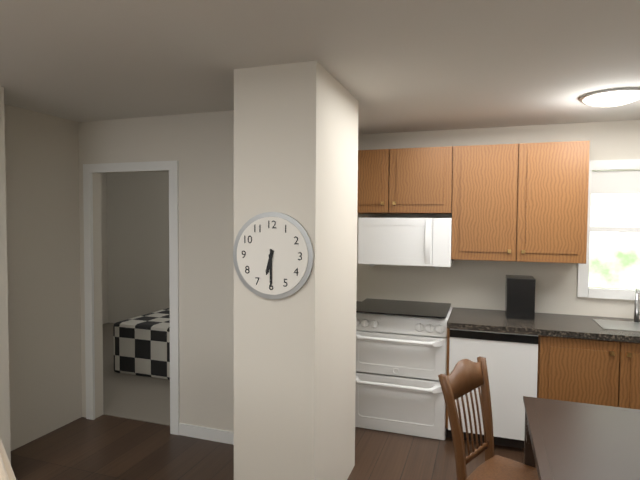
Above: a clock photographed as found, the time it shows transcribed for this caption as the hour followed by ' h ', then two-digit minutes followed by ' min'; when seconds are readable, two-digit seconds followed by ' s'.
6 h 30 min
